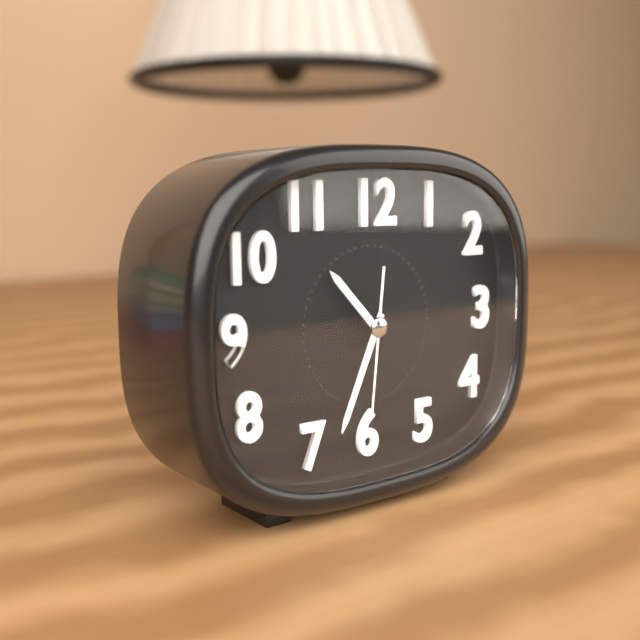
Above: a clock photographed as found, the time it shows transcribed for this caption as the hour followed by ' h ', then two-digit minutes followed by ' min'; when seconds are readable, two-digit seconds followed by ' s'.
10 h 34 min 31 s
